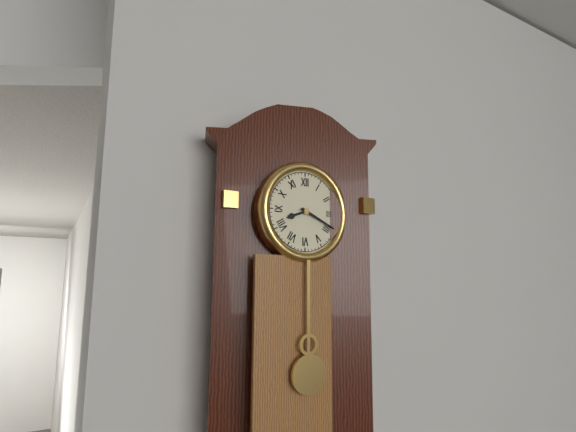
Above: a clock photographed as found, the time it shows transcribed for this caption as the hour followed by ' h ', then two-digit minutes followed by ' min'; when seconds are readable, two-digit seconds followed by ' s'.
8 h 19 min
